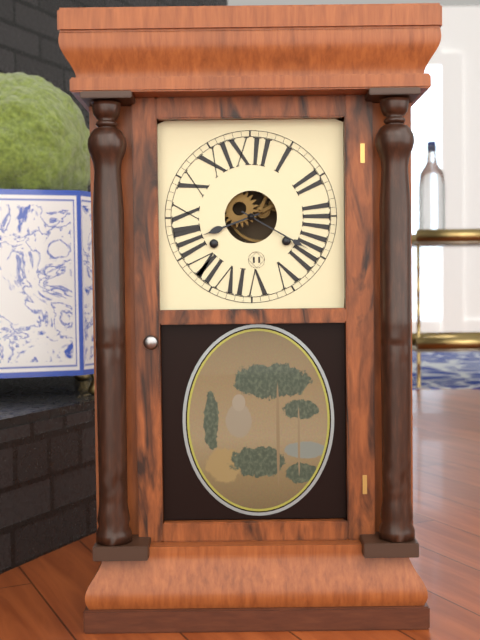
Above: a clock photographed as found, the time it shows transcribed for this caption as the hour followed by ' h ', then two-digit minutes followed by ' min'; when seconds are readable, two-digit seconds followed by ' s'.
8 h 20 min
